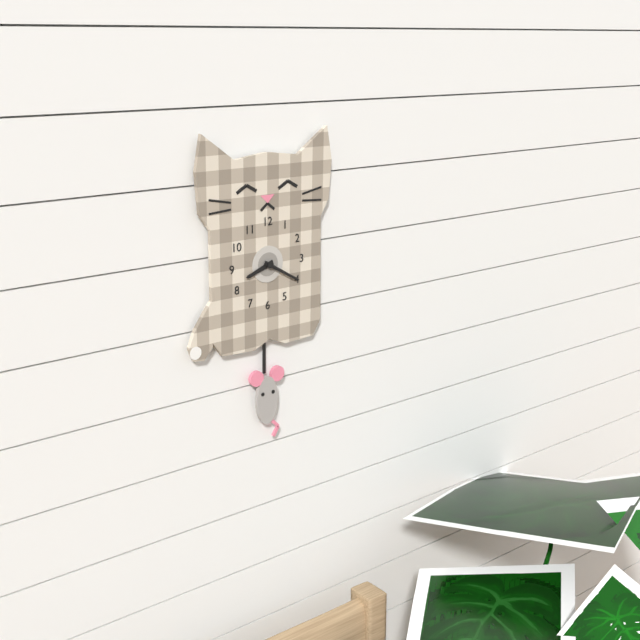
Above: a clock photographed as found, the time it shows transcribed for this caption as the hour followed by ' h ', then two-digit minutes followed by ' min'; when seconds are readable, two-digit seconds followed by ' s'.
8 h 20 min
